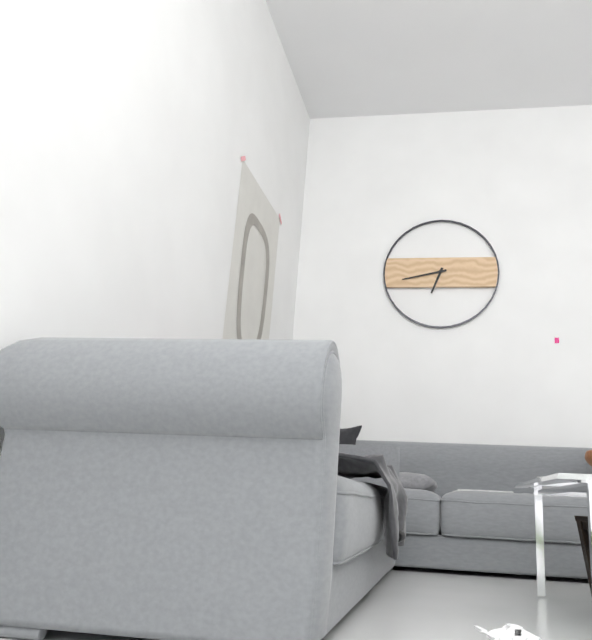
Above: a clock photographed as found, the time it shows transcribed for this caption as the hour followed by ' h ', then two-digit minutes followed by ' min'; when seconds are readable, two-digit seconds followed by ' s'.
6 h 43 min
